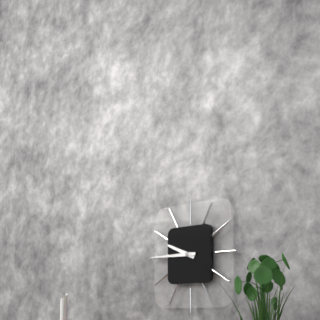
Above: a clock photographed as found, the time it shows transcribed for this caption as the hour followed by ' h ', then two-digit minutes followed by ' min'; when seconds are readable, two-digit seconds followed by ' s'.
9 h 45 min
